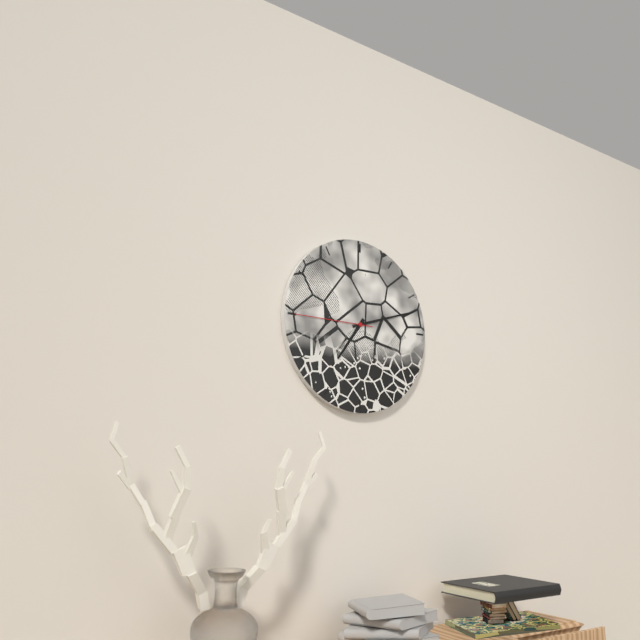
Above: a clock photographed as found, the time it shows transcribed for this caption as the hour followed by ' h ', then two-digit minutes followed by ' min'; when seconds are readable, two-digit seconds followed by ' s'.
7 h 12 min 45 s
